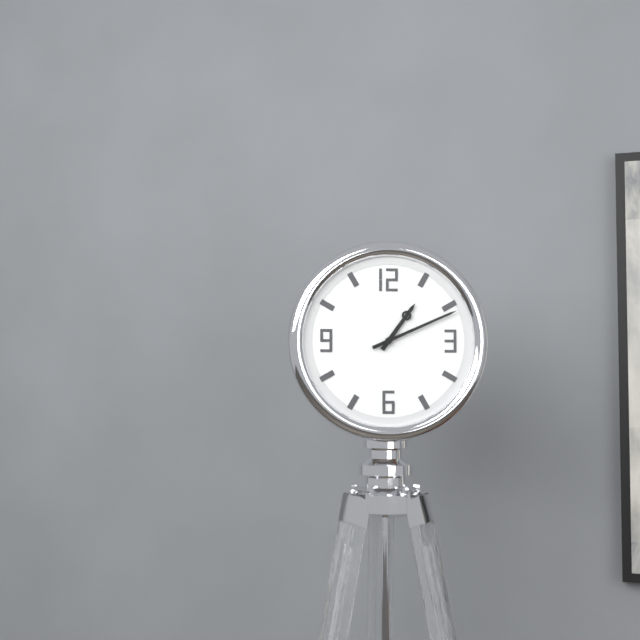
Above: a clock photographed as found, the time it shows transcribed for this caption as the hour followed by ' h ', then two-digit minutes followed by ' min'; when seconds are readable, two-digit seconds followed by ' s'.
1 h 11 min
